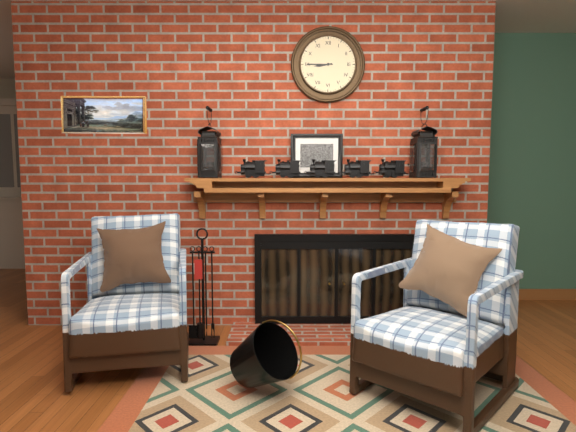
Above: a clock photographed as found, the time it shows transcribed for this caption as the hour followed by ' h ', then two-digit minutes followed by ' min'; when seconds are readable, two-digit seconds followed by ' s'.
8 h 45 min
